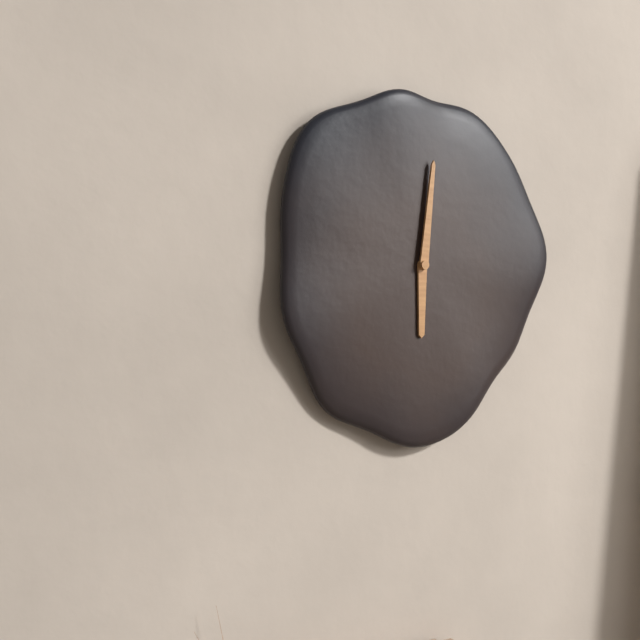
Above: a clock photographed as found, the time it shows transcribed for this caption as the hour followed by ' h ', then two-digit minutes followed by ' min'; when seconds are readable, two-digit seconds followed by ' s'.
6 h 01 min
